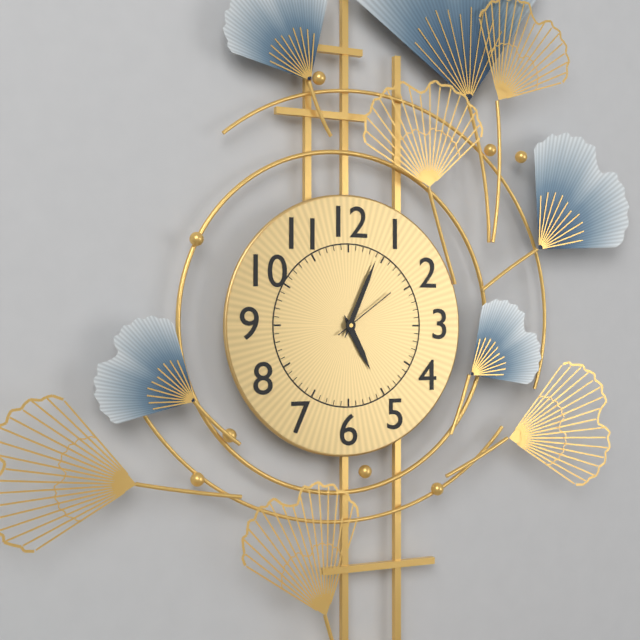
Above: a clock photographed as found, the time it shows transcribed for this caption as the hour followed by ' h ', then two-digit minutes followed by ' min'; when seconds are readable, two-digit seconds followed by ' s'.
5 h 04 min 09 s
